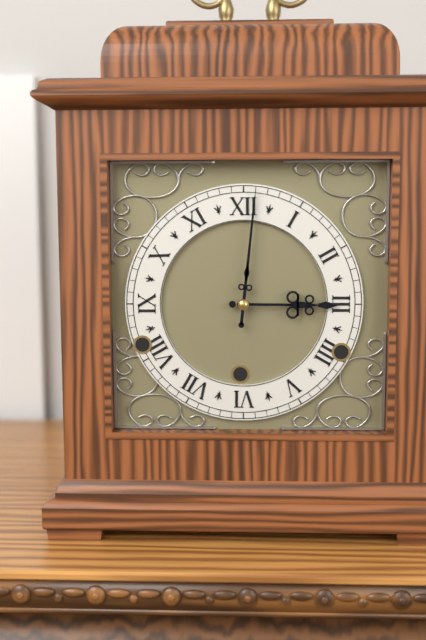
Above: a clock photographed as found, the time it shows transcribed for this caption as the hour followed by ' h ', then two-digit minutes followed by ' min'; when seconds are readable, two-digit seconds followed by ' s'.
3 h 01 min
